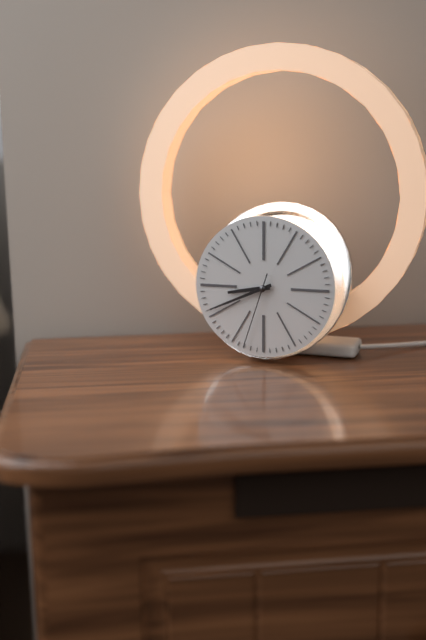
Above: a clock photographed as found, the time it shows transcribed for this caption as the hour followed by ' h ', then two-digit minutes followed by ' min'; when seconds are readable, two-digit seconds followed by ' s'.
8 h 41 min 33 s
